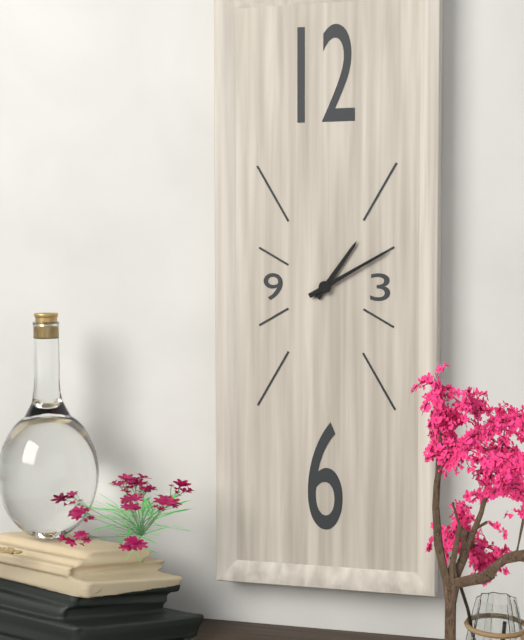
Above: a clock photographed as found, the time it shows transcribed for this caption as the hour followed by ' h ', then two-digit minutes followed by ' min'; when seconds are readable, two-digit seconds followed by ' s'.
1 h 10 min
